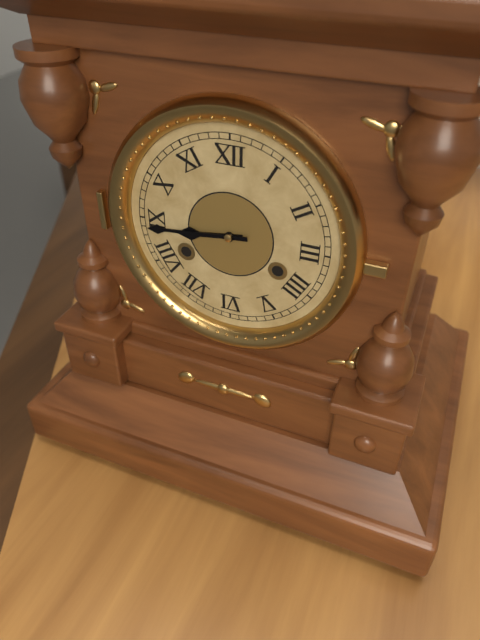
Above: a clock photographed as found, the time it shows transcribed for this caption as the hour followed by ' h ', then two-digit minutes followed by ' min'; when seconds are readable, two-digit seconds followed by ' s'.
8 h 44 min
